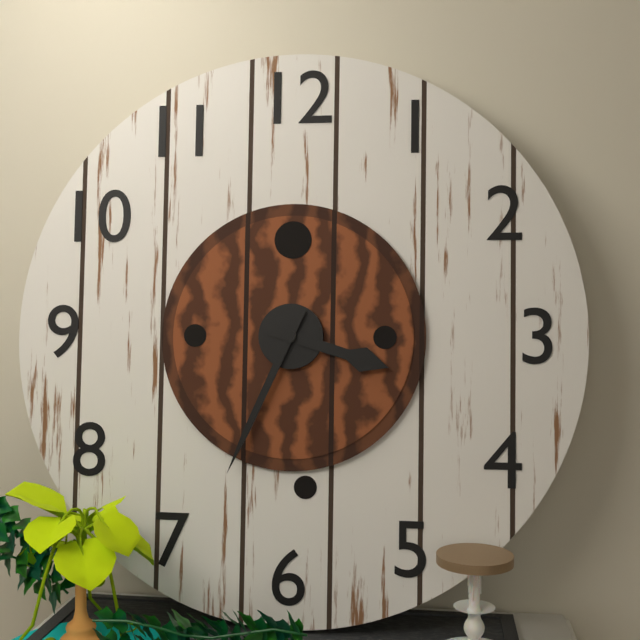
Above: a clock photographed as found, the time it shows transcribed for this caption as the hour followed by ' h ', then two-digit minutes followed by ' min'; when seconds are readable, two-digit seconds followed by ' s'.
3 h 34 min
